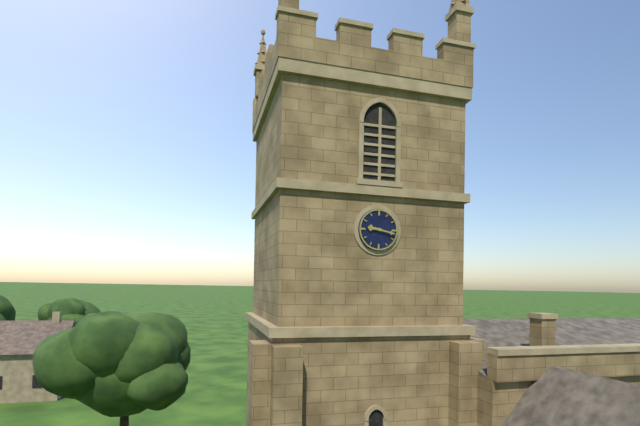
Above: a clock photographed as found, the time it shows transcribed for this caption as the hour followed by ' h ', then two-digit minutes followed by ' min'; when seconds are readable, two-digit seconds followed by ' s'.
9 h 17 min
